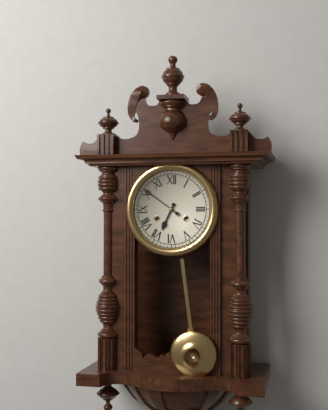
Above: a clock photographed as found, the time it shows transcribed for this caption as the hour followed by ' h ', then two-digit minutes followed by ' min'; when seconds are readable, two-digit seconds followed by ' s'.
6 h 51 min
